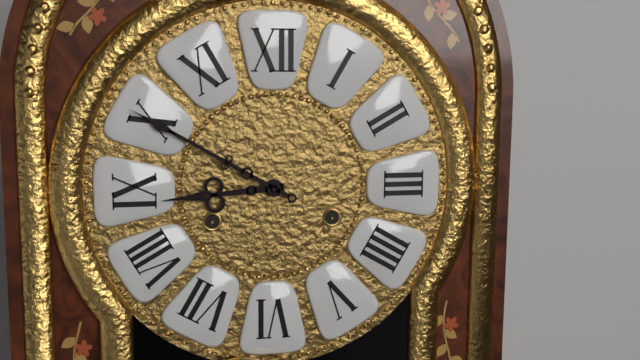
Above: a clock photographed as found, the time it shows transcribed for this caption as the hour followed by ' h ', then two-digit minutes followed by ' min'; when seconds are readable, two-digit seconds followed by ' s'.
8 h 50 min
